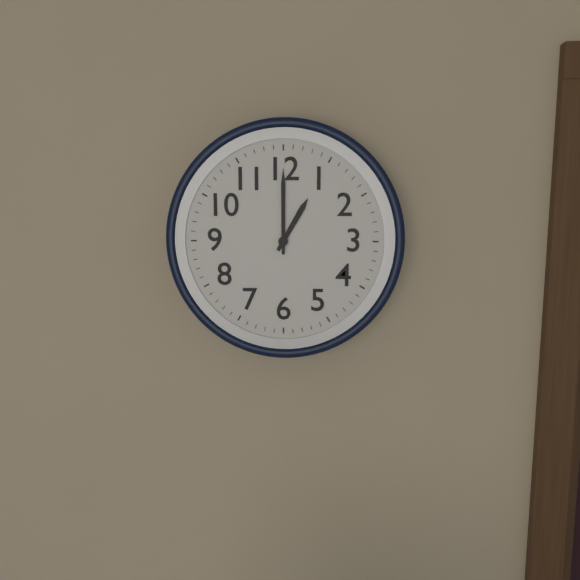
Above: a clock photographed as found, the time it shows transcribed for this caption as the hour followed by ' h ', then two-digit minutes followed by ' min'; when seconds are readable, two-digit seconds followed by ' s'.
1 h 00 min
